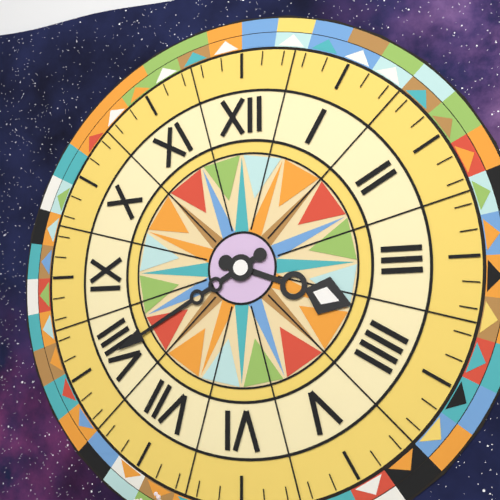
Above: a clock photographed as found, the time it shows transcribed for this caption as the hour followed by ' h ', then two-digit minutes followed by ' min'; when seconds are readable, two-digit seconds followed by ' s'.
3 h 40 min
